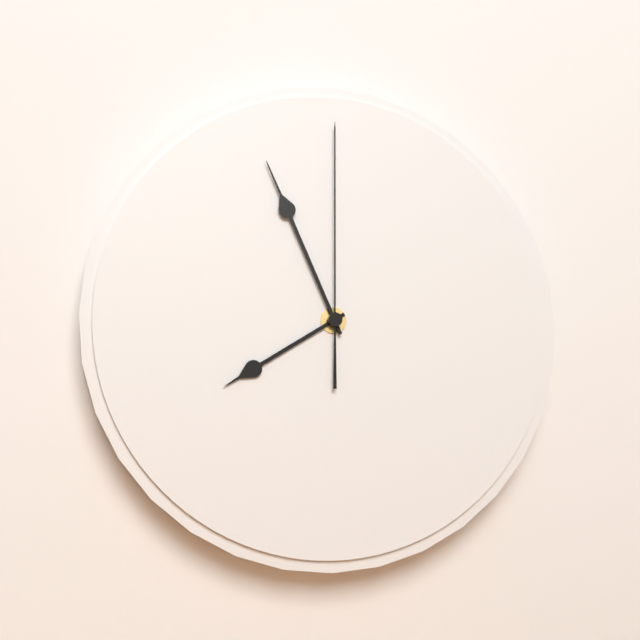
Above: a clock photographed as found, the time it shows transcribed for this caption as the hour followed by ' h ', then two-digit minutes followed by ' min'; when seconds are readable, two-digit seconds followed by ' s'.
7 h 56 min 00 s
